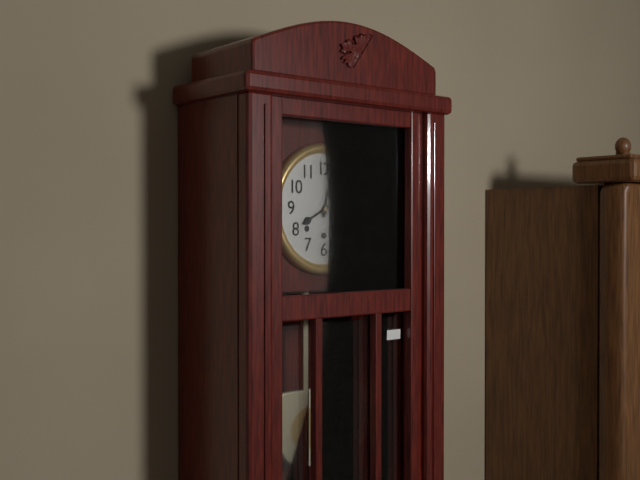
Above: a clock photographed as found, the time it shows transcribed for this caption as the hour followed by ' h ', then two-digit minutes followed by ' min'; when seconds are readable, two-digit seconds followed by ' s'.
8 h 02 min
